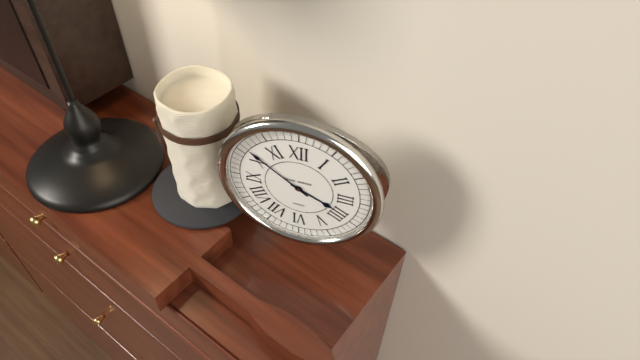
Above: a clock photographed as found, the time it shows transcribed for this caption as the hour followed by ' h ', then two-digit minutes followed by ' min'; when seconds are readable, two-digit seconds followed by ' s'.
3 h 51 min
